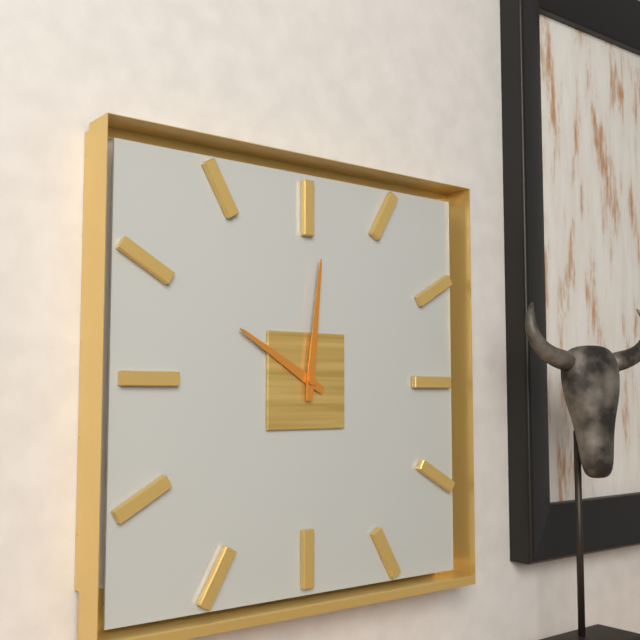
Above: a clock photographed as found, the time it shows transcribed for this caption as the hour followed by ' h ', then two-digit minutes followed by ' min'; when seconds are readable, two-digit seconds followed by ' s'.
10 h 01 min
